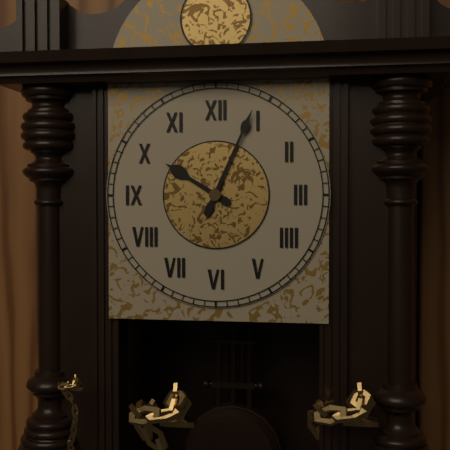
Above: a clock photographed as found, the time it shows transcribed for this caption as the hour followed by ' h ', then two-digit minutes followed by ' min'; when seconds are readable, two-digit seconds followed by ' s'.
10 h 04 min
